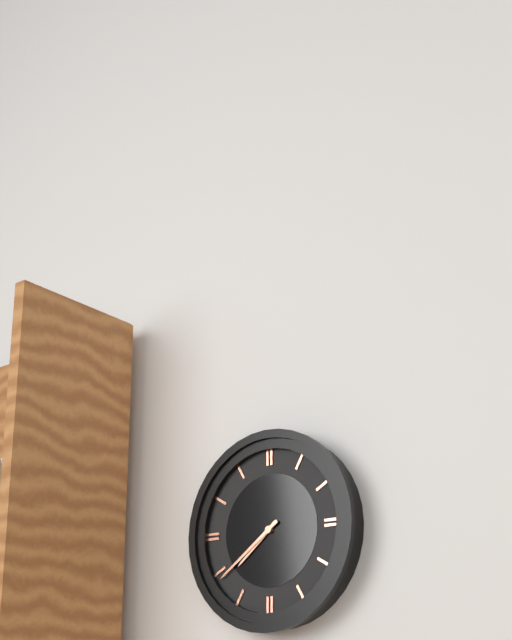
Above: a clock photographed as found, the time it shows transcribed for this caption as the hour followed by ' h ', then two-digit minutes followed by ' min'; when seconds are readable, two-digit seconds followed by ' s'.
7 h 39 min
